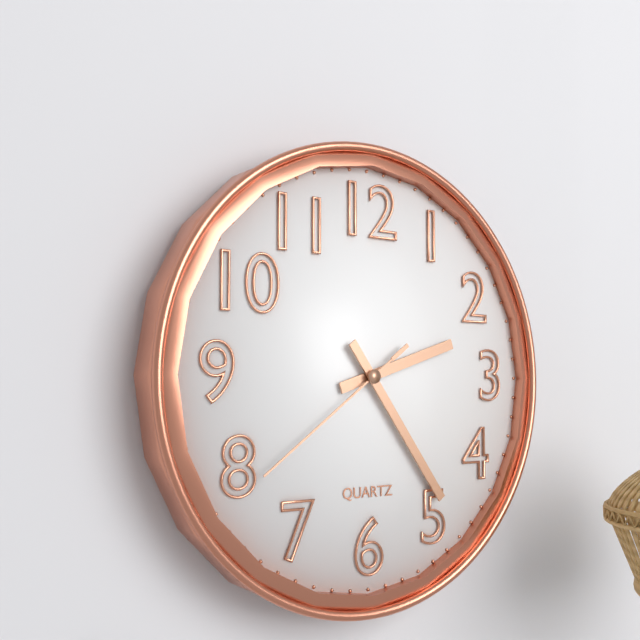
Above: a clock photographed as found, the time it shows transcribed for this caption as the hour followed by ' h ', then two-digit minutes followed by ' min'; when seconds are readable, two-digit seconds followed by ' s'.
2 h 24 min 39 s
